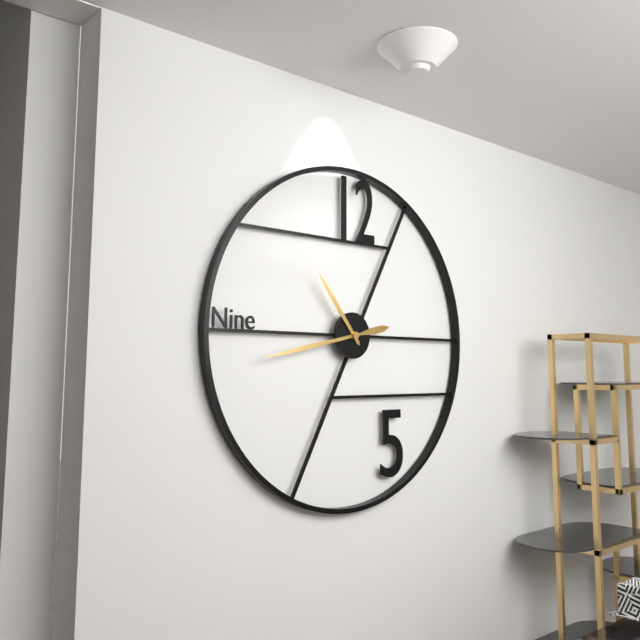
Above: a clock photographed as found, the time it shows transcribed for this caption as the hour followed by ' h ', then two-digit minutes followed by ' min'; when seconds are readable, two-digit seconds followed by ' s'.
10 h 43 min
